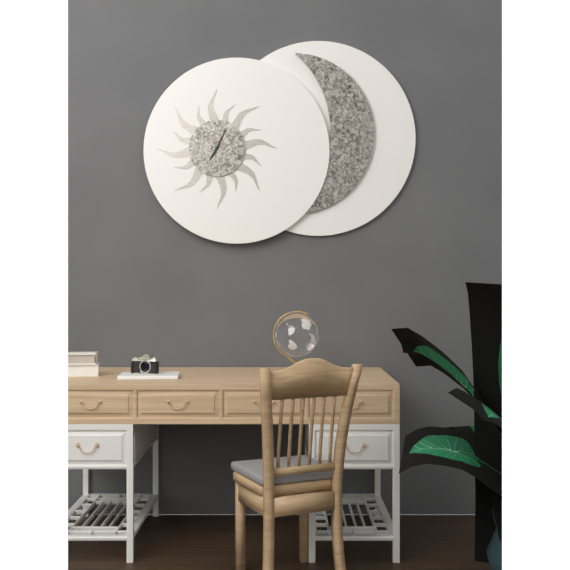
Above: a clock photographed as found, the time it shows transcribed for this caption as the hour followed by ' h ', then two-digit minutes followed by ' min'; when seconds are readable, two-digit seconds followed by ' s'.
7 h 04 min
